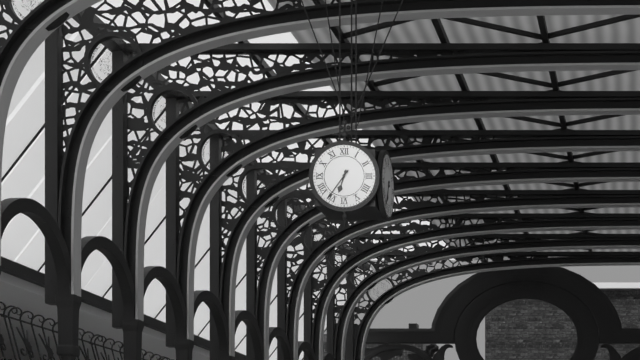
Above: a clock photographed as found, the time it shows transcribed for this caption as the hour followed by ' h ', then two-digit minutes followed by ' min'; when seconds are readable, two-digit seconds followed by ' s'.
6 h 36 min
